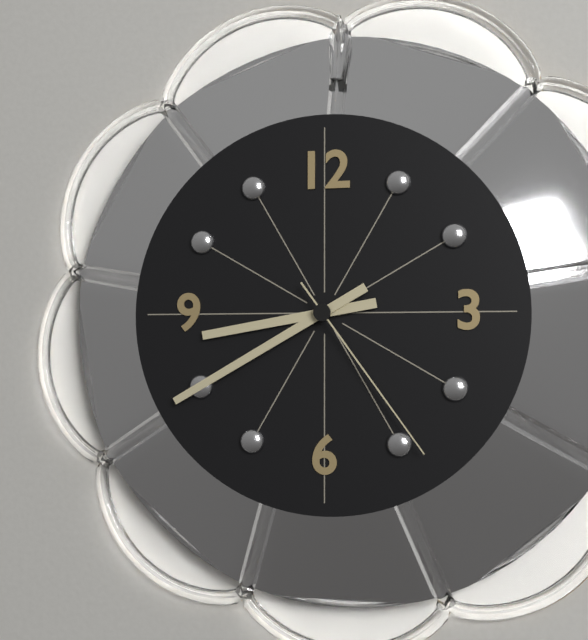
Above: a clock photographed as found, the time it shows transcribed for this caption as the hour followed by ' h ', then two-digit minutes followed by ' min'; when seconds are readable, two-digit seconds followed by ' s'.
8 h 40 min 24 s
